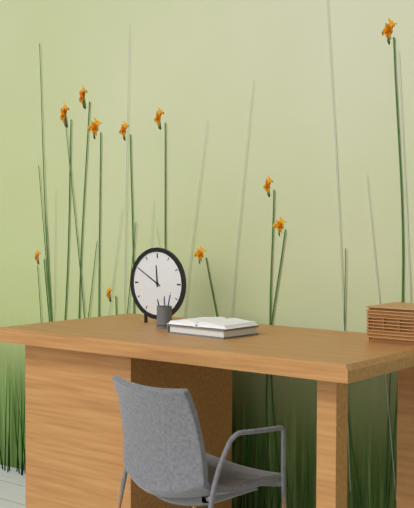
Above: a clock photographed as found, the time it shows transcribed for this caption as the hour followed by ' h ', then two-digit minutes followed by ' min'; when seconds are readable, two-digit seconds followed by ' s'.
11 h 50 min
